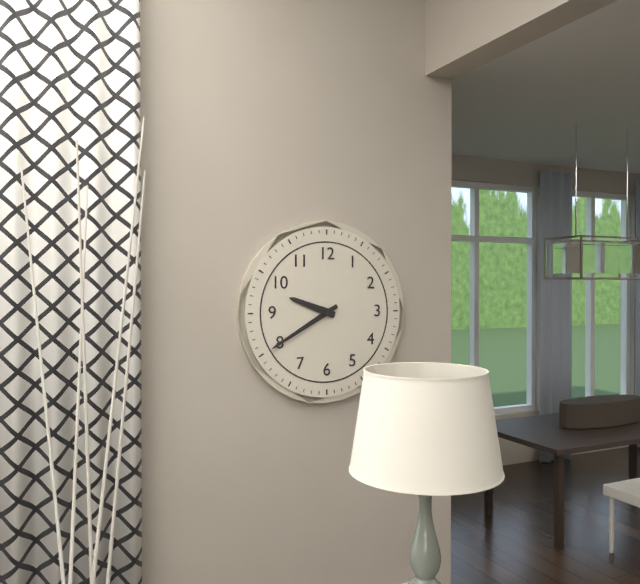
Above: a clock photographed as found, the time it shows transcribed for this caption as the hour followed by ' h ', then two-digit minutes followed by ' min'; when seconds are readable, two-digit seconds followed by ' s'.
9 h 40 min
